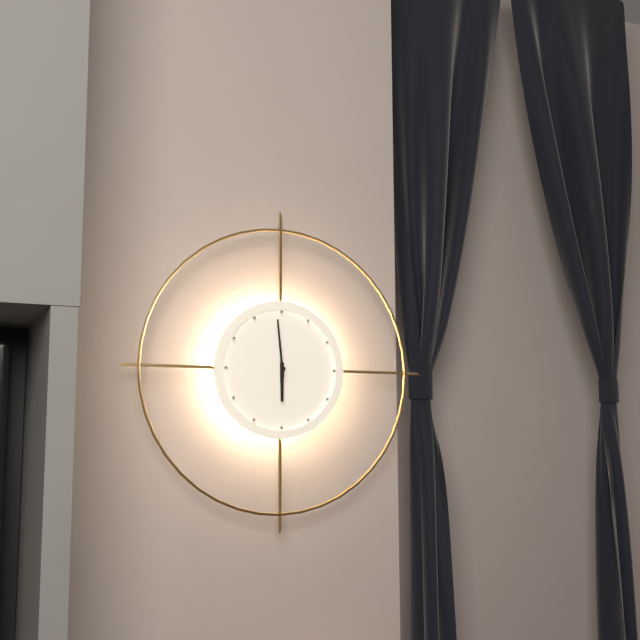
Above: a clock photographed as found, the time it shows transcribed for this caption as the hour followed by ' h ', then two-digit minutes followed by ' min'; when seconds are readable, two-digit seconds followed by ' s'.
5 h 59 min
